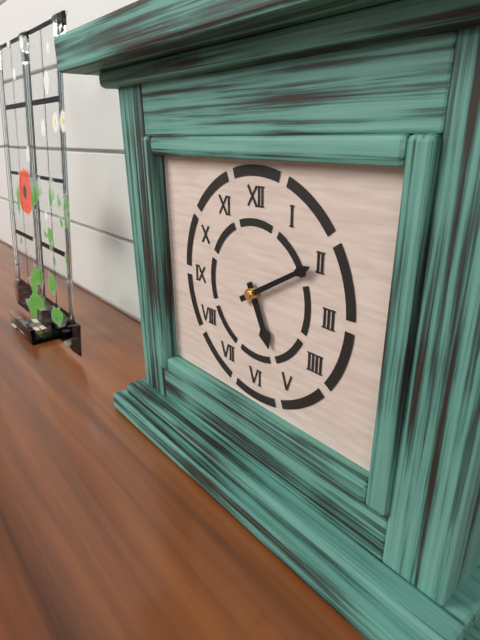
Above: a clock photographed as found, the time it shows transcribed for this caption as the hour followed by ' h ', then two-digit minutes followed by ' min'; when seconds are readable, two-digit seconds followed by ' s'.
5 h 10 min
